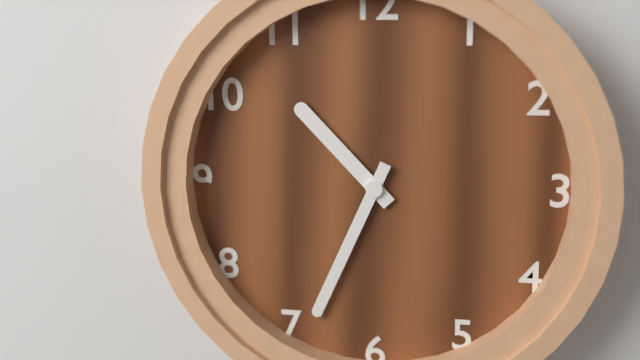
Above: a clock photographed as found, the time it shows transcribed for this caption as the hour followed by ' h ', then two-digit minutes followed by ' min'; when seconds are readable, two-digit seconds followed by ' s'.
10 h 34 min
